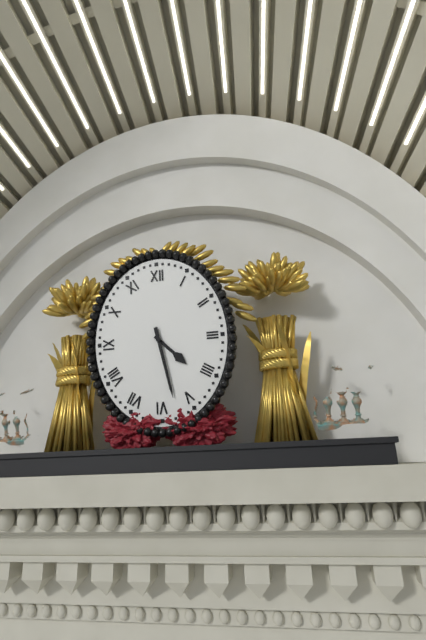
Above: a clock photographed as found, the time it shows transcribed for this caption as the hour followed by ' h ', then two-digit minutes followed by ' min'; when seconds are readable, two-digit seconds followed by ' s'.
4 h 28 min
